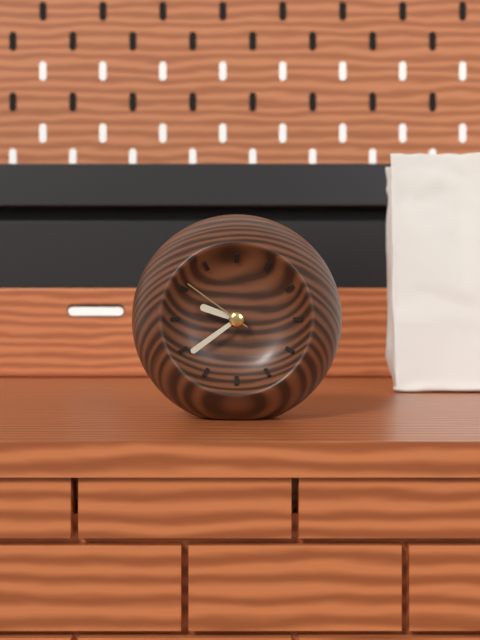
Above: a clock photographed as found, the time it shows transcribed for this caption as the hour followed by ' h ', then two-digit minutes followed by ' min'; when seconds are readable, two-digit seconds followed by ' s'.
9 h 39 min 51 s
